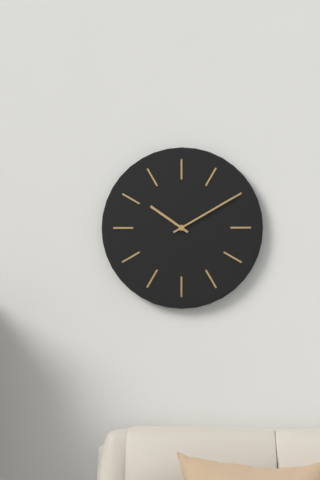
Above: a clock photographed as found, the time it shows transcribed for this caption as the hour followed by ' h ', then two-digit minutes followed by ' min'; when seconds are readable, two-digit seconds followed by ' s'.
10 h 10 min
